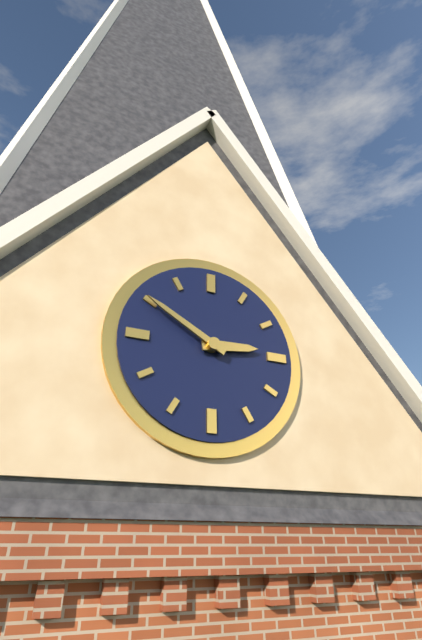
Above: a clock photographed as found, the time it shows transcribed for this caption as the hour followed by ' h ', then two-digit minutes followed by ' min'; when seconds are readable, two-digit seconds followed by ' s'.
2 h 50 min
